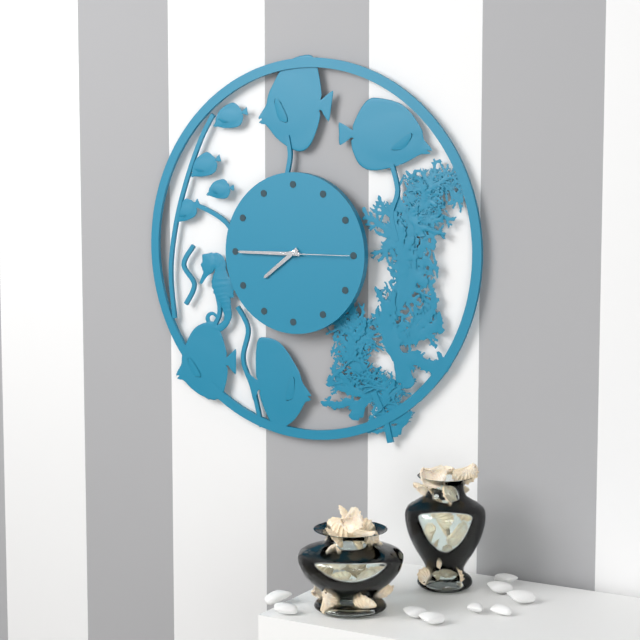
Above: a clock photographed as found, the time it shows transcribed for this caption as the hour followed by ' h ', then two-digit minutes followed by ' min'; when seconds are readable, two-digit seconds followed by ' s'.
7 h 45 min 15 s
